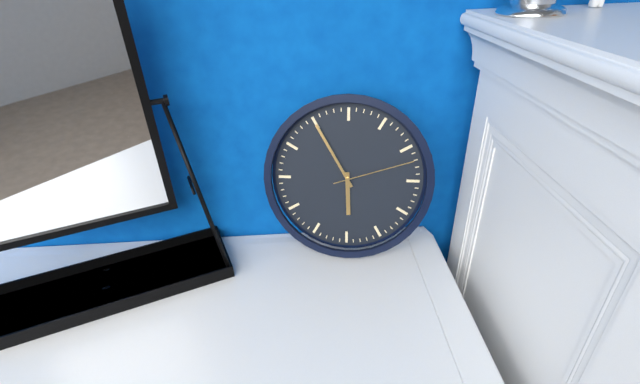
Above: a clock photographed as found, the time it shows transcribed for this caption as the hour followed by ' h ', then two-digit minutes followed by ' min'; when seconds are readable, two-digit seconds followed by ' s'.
5 h 55 min 12 s
